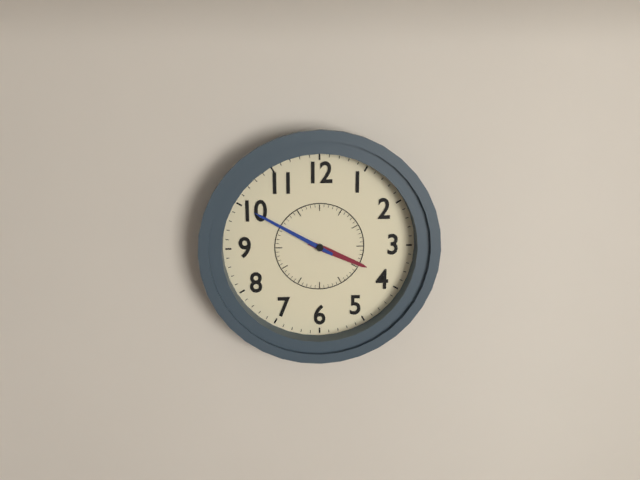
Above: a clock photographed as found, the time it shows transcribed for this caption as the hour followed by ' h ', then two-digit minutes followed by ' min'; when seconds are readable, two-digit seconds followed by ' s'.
3 h 50 min
